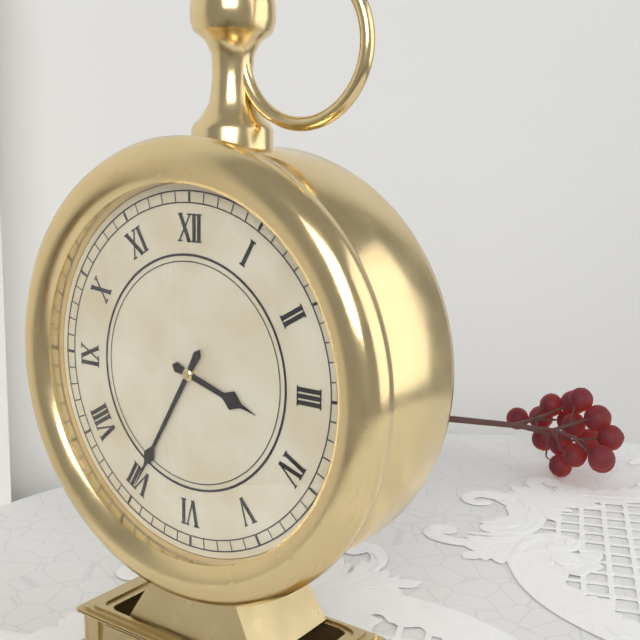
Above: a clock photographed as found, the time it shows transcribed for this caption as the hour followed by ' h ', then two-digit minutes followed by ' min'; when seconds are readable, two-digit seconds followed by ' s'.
3 h 35 min
